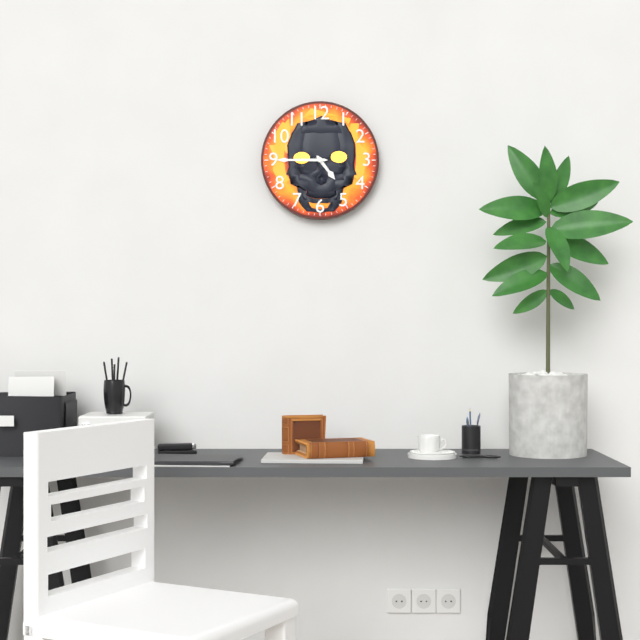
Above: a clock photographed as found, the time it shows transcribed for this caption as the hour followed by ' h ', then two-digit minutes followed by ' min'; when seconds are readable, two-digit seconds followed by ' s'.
4 h 45 min
